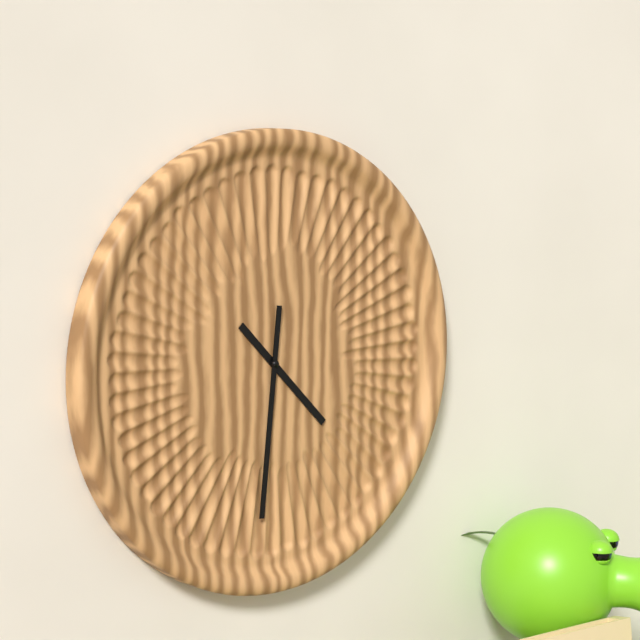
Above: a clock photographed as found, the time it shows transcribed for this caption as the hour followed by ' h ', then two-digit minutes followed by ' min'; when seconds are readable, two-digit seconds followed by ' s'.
4 h 31 min
